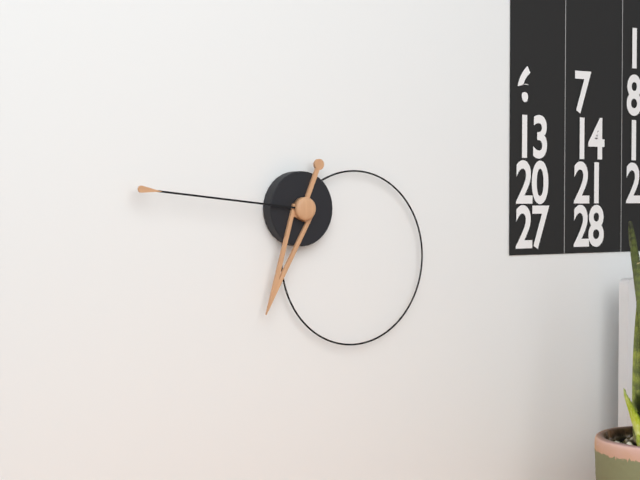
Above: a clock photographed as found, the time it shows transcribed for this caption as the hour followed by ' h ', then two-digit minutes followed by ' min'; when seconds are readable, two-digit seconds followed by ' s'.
6 h 46 min
